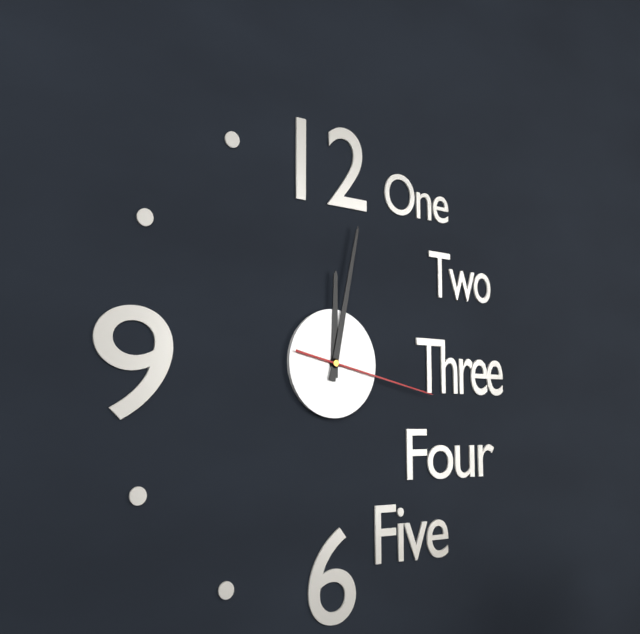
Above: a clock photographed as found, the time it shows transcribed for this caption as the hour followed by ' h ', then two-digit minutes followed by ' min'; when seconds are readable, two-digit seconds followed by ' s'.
12 h 02 min 17 s
